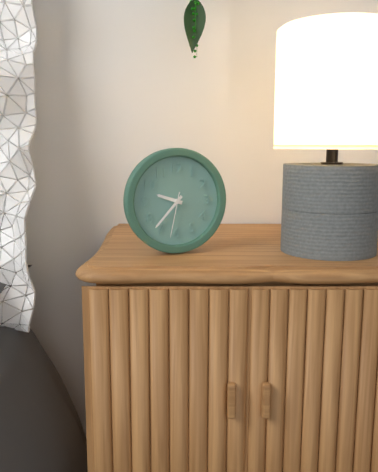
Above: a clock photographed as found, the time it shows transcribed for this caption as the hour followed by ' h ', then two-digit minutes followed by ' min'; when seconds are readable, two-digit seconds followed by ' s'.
9 h 37 min
